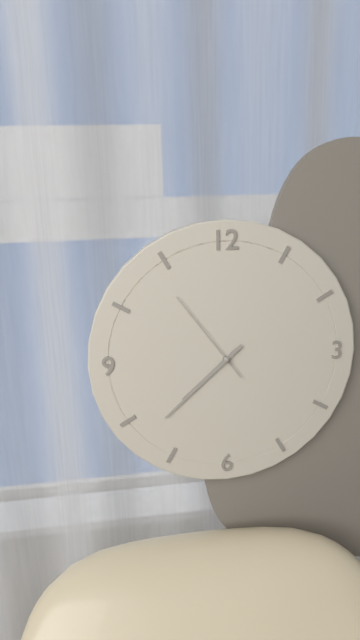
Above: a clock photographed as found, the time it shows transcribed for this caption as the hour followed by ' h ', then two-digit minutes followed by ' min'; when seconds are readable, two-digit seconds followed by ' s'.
7 h 38 min 54 s
